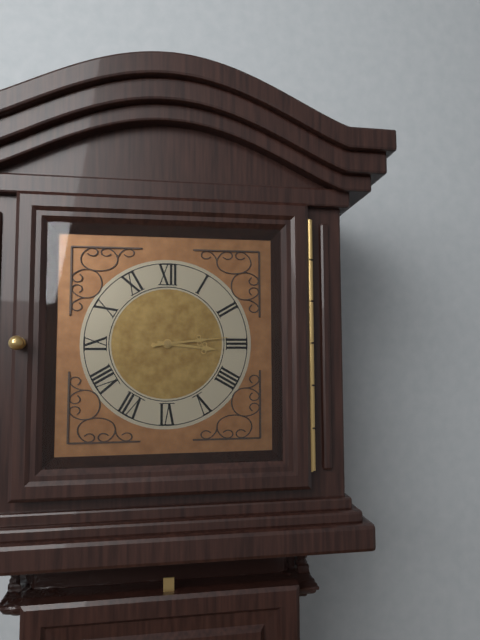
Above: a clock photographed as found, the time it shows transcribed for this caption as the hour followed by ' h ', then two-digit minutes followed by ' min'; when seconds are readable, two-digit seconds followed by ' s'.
3 h 14 min
